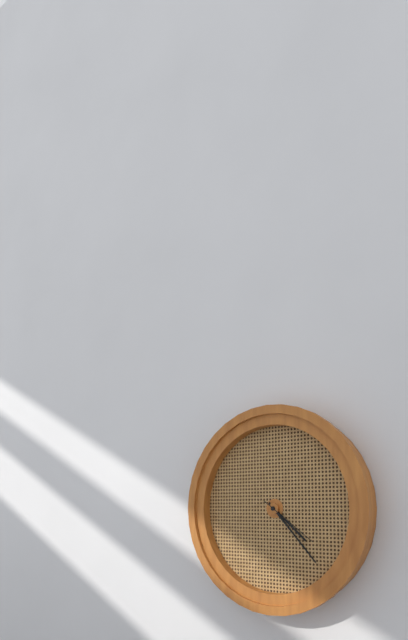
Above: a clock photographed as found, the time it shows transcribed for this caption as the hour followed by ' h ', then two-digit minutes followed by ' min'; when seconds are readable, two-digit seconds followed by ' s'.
4 h 23 min 21 s
